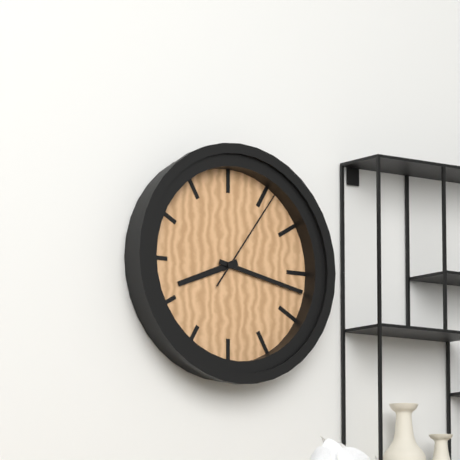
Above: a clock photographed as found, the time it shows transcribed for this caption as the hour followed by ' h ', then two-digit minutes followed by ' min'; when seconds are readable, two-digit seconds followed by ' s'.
8 h 17 min 06 s
